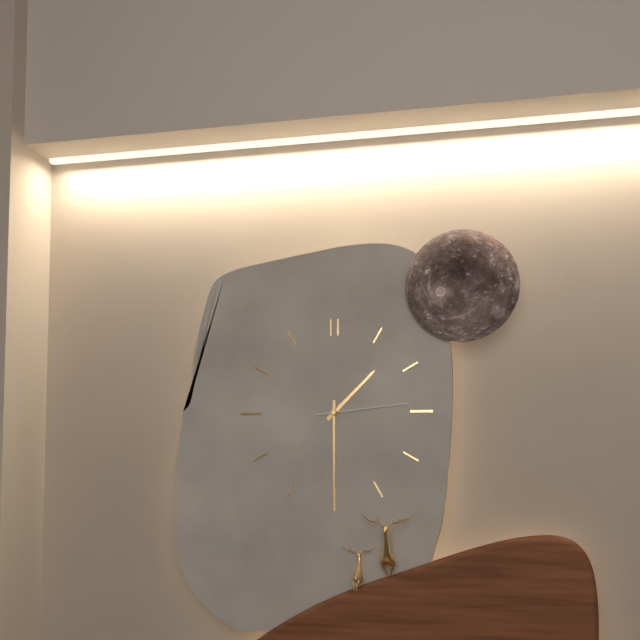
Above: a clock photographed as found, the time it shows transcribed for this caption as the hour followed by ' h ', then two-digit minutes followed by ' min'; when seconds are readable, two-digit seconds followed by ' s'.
1 h 30 min 14 s
